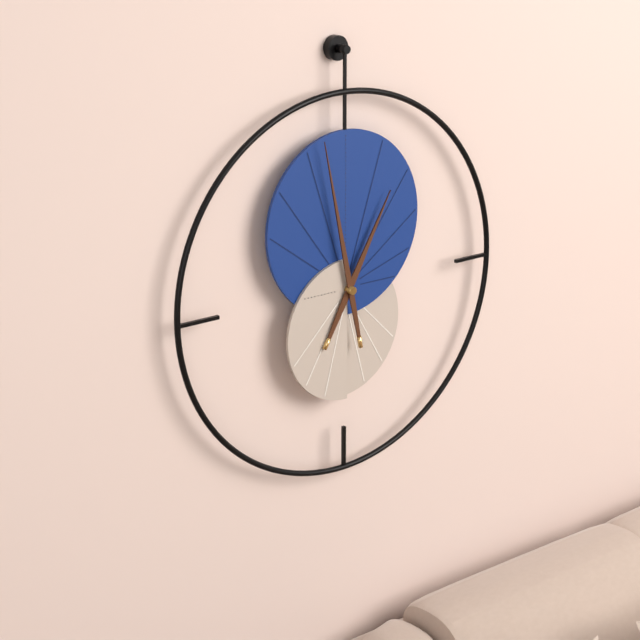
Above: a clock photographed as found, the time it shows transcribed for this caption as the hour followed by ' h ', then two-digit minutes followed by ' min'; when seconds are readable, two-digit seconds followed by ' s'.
12 h 58 min
